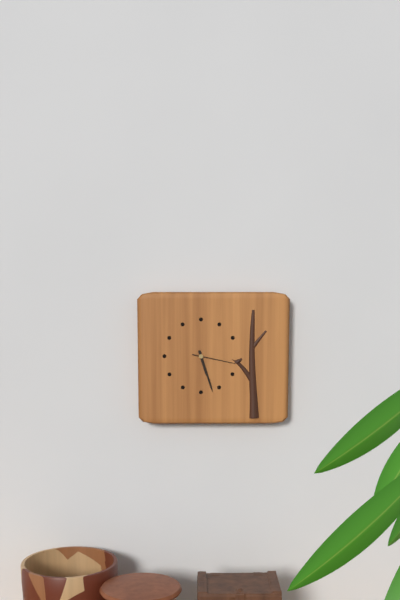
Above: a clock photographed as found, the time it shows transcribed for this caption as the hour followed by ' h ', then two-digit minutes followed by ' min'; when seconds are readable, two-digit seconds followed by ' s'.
5 h 27 min
